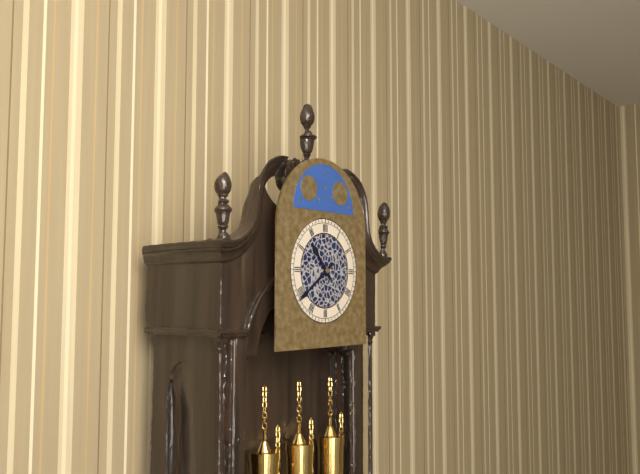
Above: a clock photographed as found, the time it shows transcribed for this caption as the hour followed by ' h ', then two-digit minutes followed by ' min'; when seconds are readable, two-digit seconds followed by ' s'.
10 h 39 min
